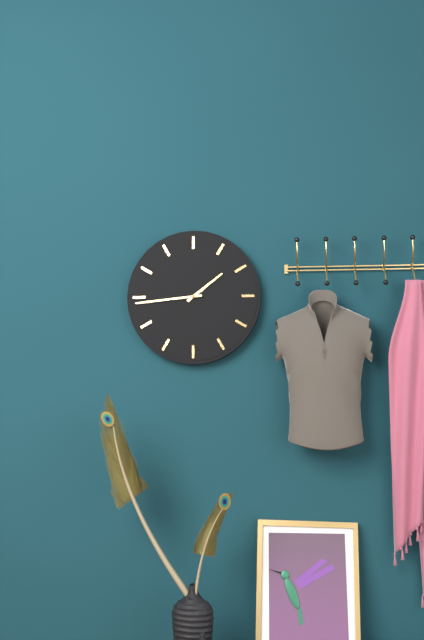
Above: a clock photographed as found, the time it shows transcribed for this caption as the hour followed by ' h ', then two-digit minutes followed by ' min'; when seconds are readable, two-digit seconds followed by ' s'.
1 h 44 min
